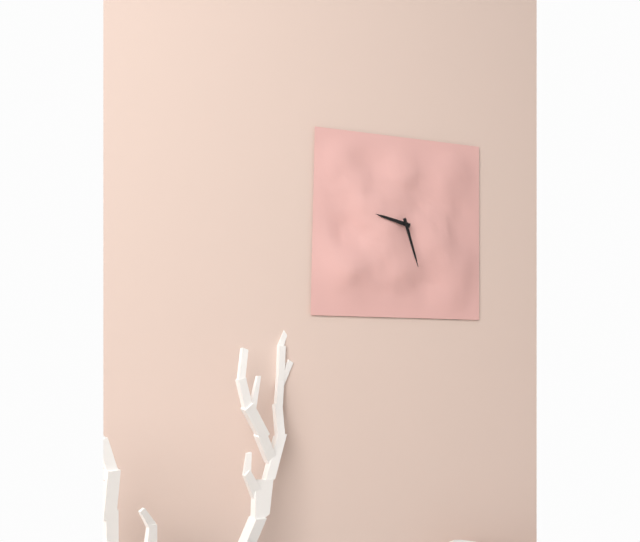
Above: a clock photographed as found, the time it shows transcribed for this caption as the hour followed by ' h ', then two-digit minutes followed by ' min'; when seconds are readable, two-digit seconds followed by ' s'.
9 h 27 min
